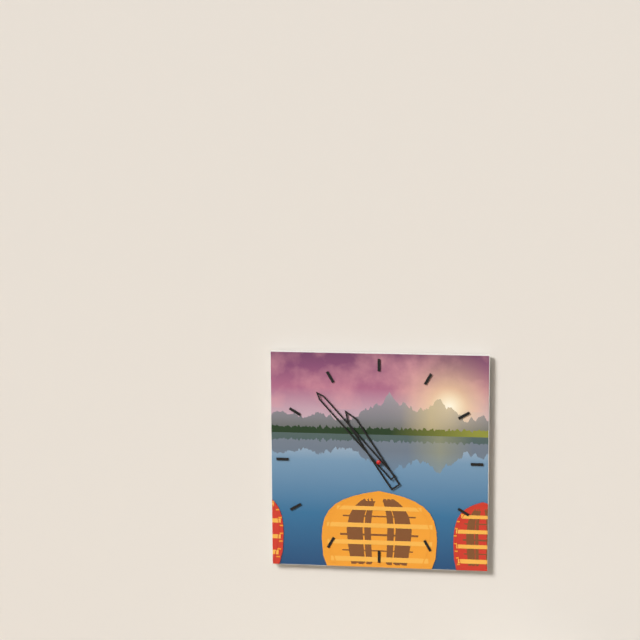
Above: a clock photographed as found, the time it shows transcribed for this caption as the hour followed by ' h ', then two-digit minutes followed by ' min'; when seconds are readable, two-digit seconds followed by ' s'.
10 h 53 min
